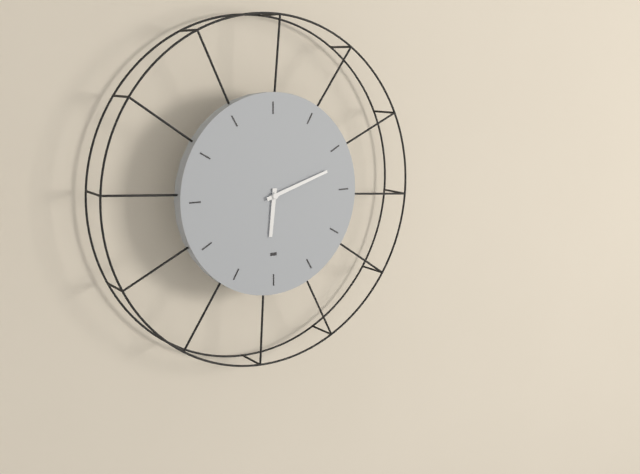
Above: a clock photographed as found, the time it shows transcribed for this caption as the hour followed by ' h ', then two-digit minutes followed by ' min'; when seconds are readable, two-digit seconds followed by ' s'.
6 h 12 min
